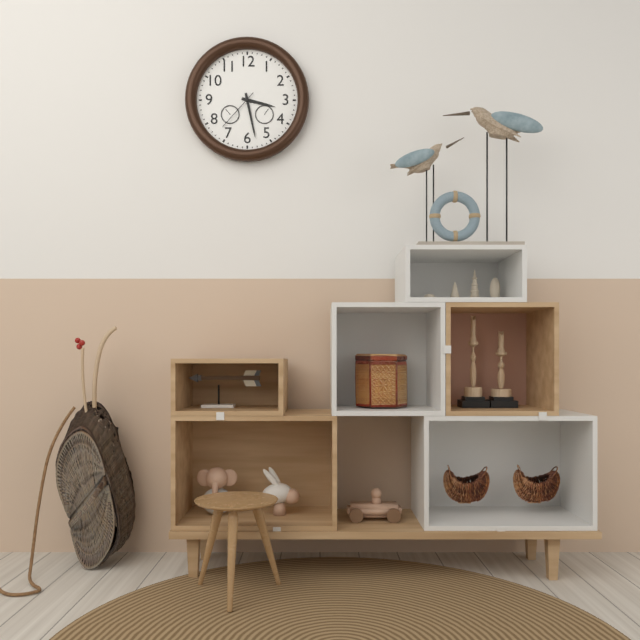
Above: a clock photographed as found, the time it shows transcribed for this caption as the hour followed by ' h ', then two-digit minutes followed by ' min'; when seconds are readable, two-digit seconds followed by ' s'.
3 h 28 min
